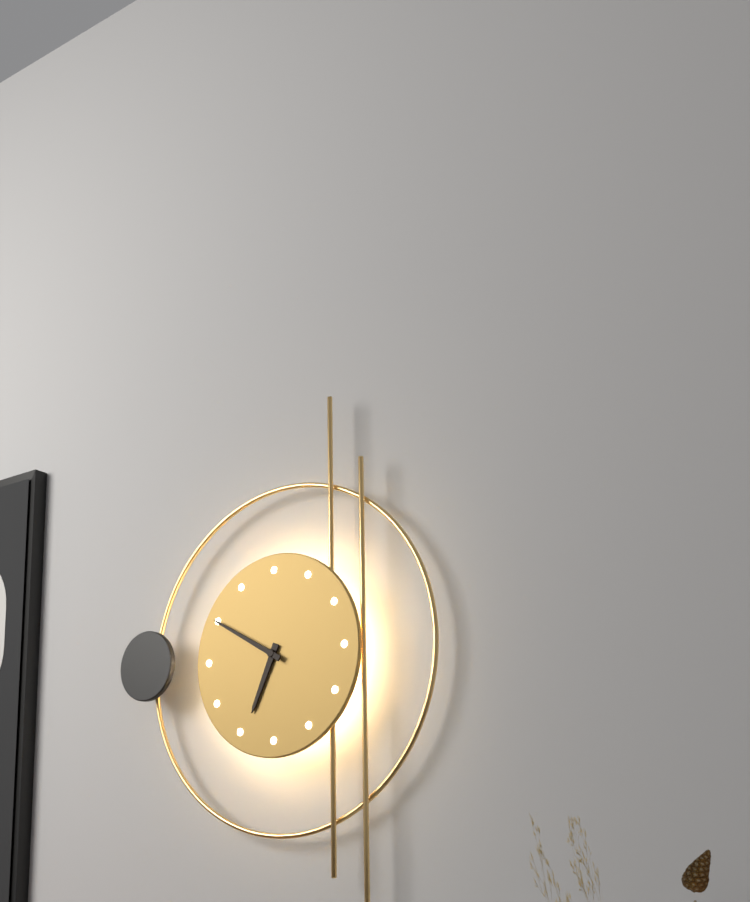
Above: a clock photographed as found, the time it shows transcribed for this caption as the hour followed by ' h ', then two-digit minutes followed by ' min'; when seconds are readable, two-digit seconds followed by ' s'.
6 h 50 min
